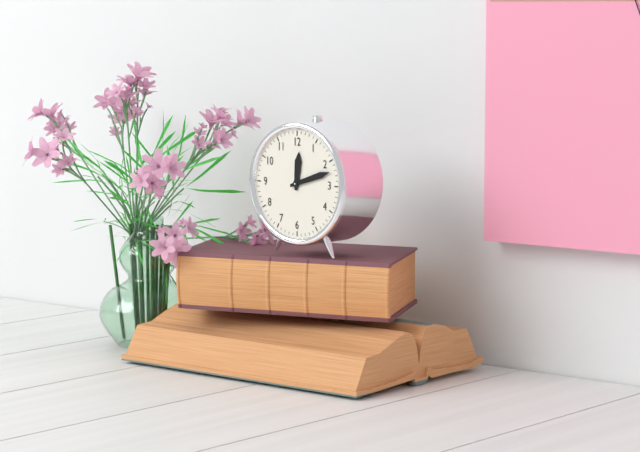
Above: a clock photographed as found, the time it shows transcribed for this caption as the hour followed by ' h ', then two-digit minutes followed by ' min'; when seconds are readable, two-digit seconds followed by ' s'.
12 h 12 min
